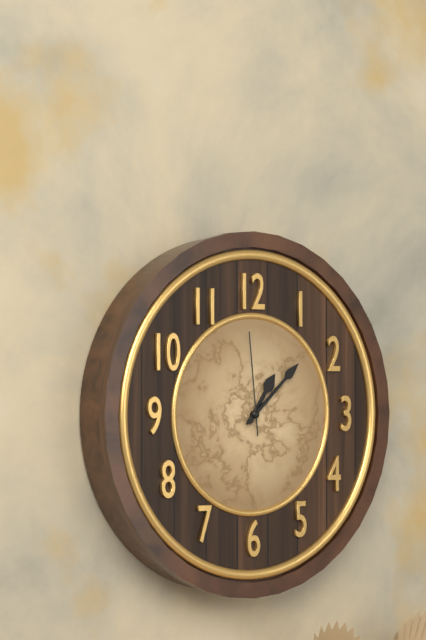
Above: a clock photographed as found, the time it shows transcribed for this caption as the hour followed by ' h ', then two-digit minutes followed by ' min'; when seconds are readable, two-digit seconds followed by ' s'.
1 h 08 min 59 s
